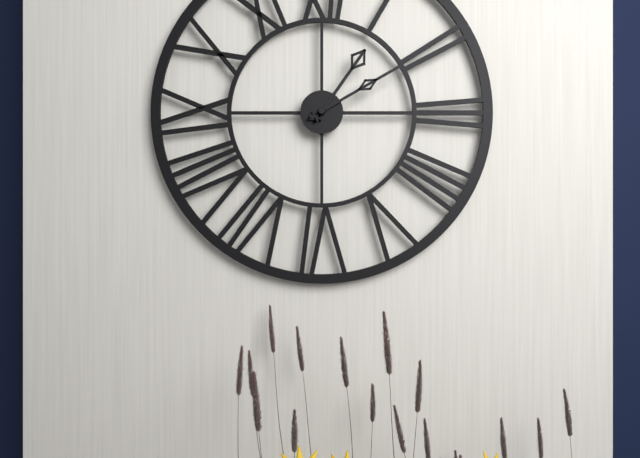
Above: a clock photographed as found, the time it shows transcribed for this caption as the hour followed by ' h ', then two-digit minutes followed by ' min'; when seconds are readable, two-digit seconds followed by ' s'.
1 h 10 min
